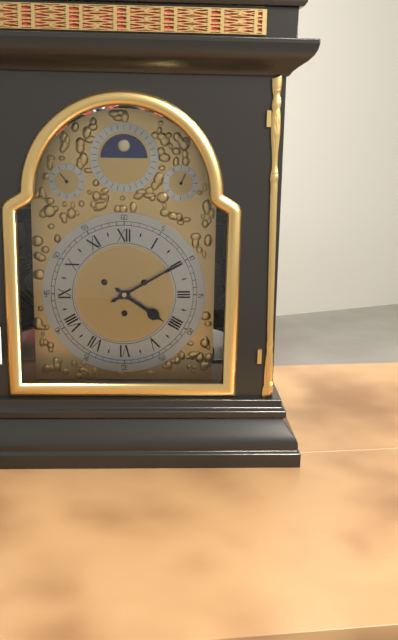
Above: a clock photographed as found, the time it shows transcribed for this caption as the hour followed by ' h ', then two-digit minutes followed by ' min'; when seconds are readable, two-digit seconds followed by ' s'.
4 h 10 min
